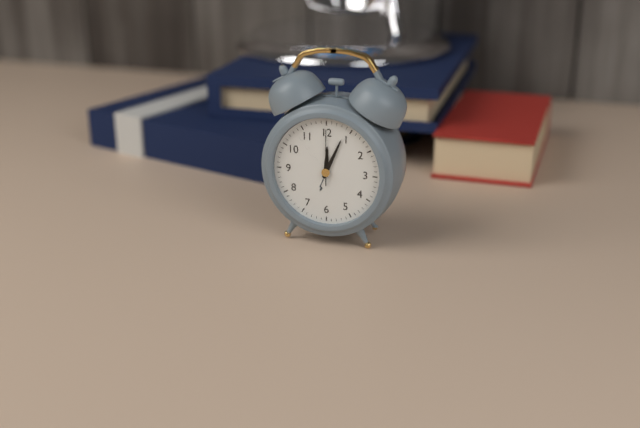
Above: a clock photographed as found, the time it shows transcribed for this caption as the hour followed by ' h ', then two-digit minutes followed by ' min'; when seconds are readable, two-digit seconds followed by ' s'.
12 h 04 min 00 s
